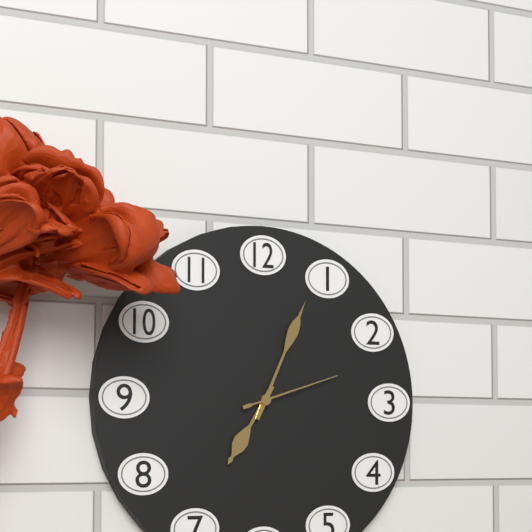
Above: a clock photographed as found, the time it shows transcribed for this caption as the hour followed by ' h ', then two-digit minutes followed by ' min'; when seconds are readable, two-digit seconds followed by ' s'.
7 h 04 min 12 s
